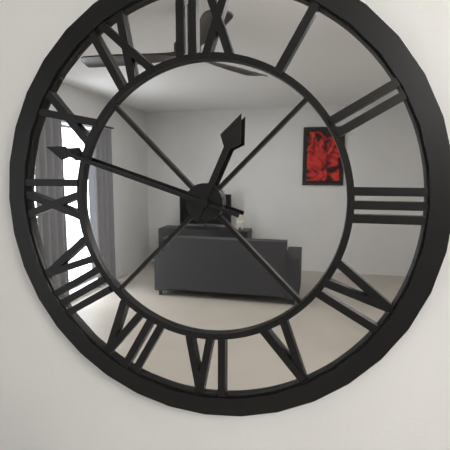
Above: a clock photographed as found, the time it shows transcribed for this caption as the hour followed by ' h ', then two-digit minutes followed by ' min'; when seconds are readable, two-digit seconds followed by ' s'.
12 h 48 min
